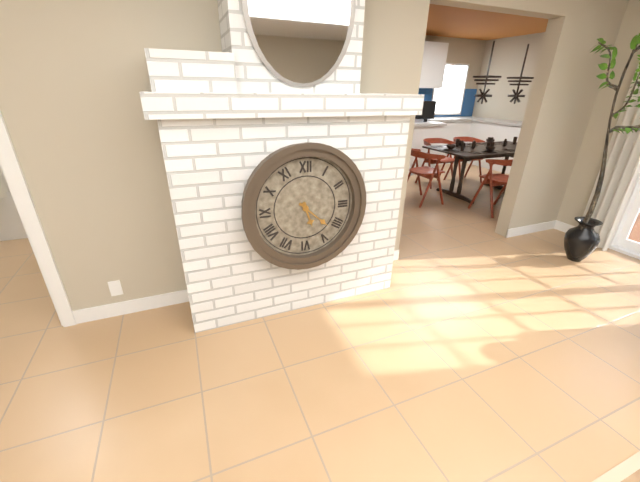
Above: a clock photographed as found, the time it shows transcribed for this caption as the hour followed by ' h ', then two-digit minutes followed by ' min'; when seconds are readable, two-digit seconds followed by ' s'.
5 h 22 min
